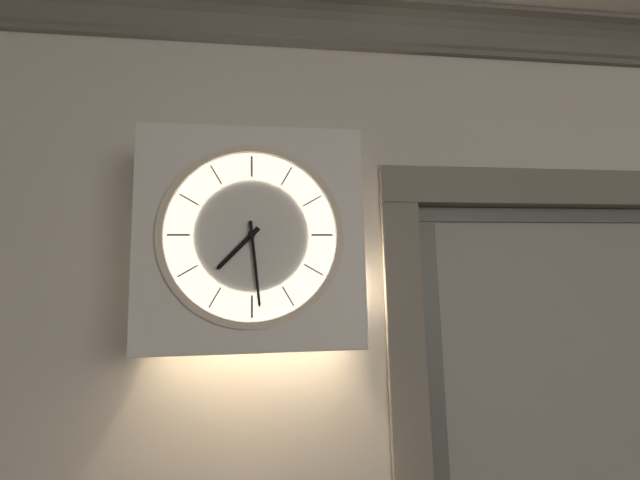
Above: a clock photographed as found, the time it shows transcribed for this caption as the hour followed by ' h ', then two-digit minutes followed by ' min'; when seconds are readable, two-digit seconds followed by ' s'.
7 h 29 min
